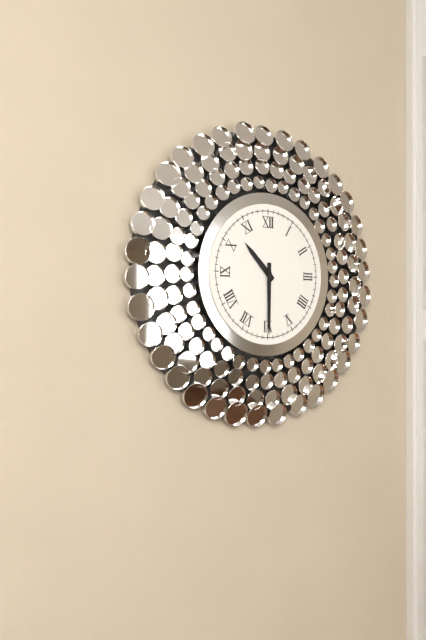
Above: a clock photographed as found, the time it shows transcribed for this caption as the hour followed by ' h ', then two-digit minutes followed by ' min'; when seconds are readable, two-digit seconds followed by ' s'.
10 h 30 min
